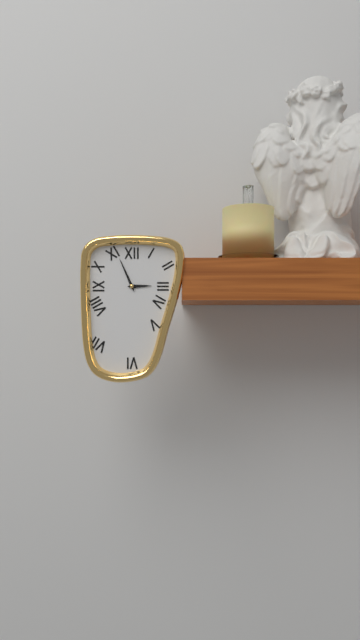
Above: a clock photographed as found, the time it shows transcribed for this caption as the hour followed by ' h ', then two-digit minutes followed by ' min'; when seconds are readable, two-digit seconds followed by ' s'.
2 h 56 min
